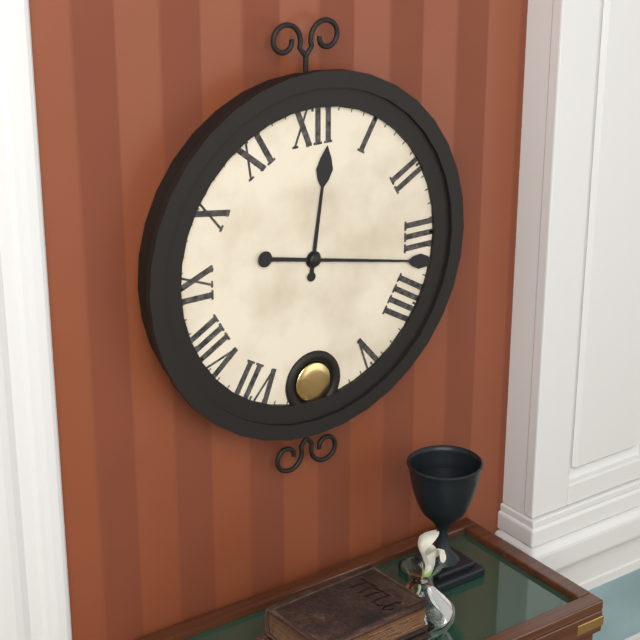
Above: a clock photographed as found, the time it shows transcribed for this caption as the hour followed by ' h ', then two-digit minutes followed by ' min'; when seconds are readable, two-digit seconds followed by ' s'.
12 h 17 min
